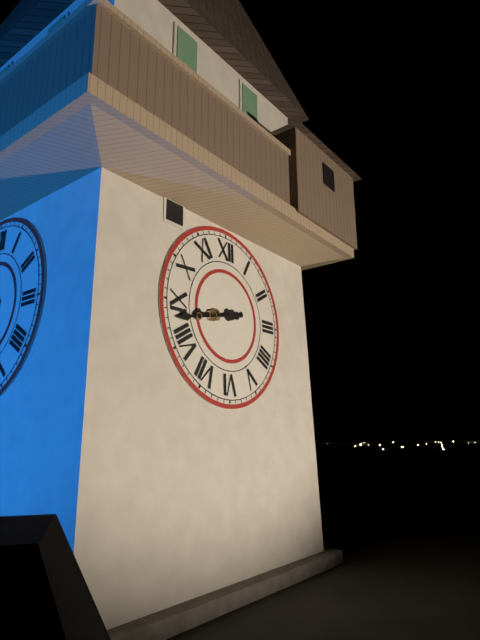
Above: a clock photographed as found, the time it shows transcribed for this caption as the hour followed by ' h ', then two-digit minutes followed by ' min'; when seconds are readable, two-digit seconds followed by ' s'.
8 h 43 min
